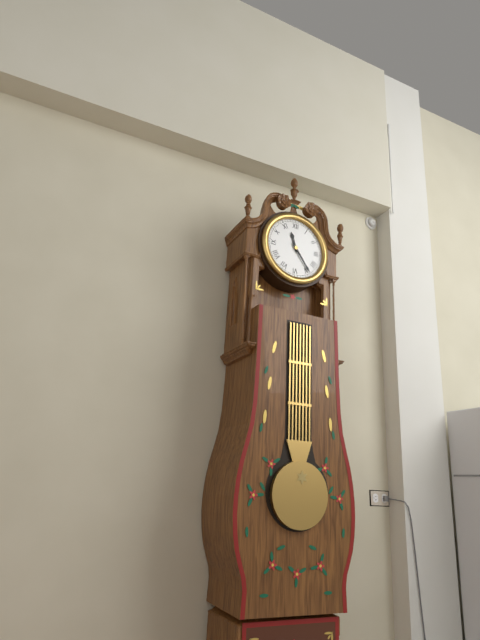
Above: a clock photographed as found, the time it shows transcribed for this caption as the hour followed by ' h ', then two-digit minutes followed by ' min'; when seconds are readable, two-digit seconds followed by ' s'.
11 h 24 min
